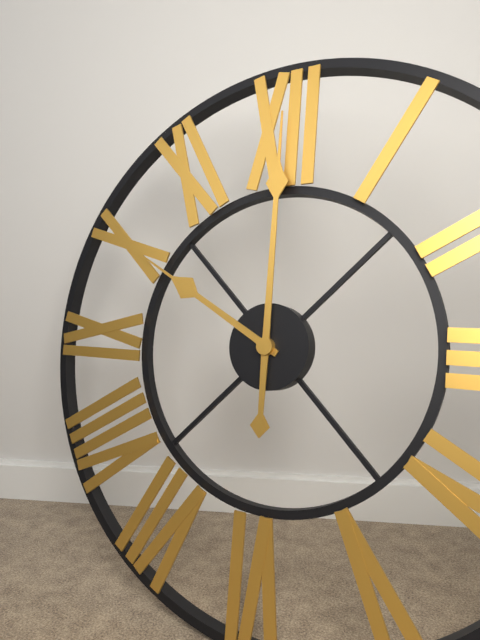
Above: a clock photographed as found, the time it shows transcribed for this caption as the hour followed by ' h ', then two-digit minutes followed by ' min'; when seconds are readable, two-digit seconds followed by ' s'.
10 h 00 min
